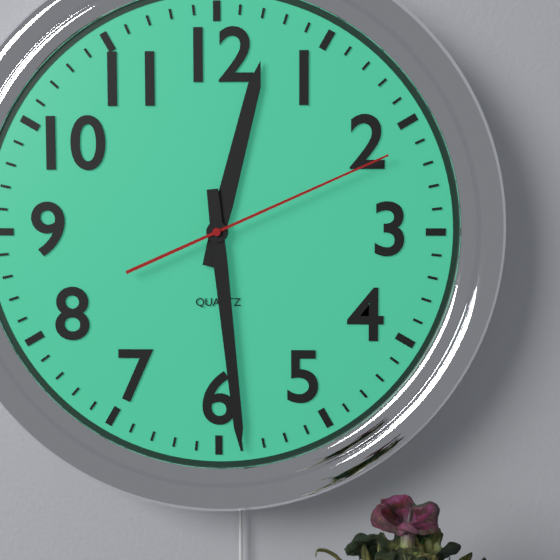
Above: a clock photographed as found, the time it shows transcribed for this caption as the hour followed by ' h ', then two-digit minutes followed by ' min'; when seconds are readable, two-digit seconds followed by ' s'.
12 h 29 min 11 s
